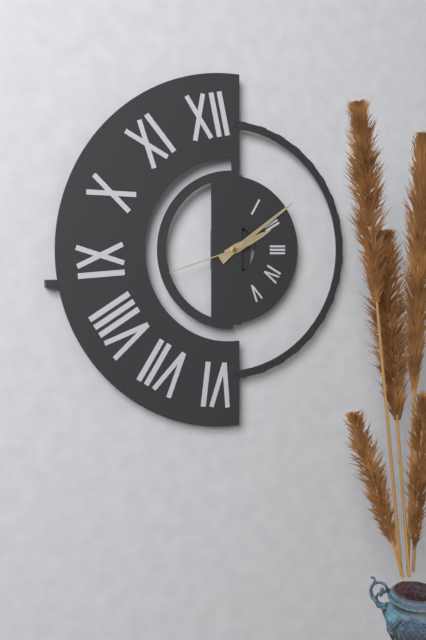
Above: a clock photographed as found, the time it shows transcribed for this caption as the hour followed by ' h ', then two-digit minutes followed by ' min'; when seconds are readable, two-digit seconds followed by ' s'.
2 h 09 min 42 s
